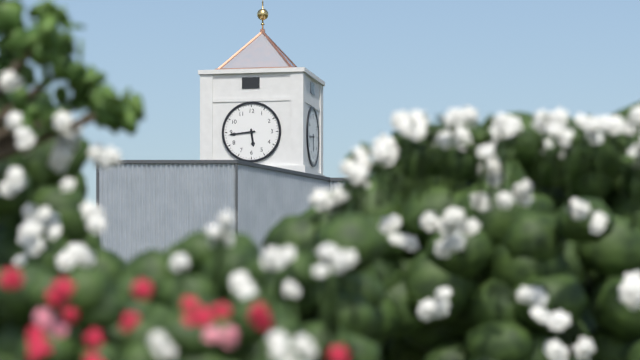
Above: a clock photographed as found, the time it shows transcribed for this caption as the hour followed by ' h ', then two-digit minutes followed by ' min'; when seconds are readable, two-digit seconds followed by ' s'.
5 h 44 min
